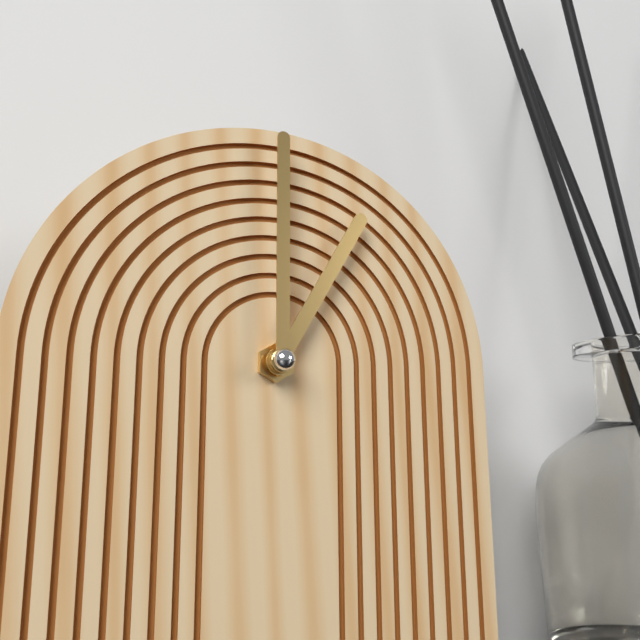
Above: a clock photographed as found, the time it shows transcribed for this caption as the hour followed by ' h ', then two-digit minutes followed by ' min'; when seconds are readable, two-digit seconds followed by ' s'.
1 h 00 min
